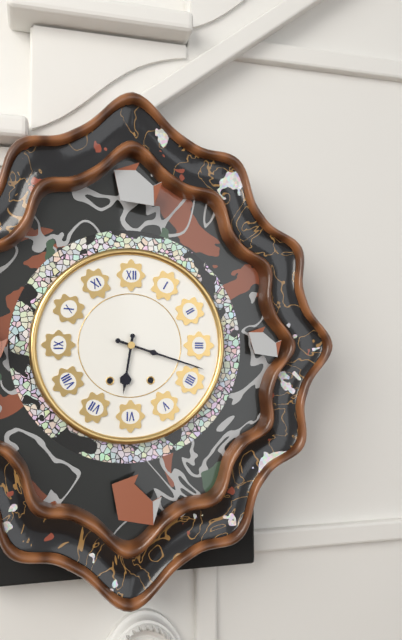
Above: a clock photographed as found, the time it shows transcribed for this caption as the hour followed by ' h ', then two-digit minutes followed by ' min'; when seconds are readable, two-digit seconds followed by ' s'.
6 h 18 min
